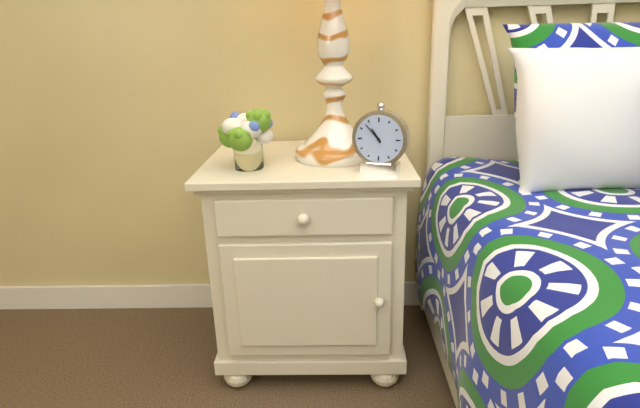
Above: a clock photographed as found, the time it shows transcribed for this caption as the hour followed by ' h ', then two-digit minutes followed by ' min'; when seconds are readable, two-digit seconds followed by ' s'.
10 h 53 min
